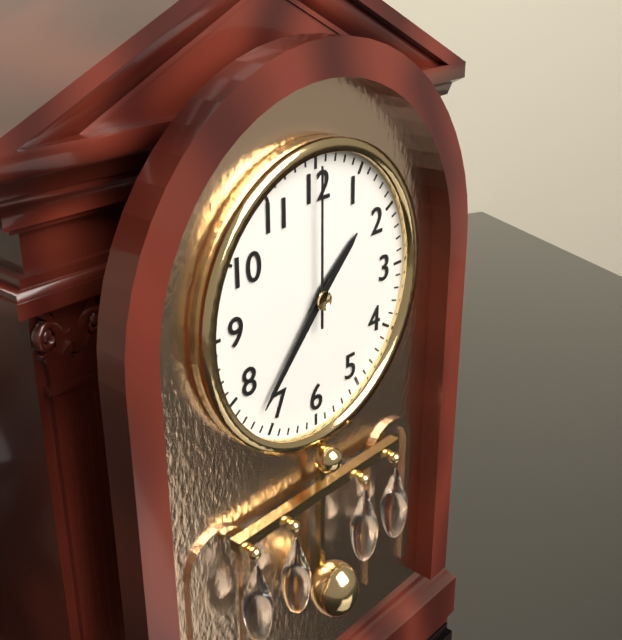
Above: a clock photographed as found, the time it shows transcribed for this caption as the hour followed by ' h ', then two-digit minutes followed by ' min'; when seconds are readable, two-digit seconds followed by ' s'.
1 h 37 min 00 s
